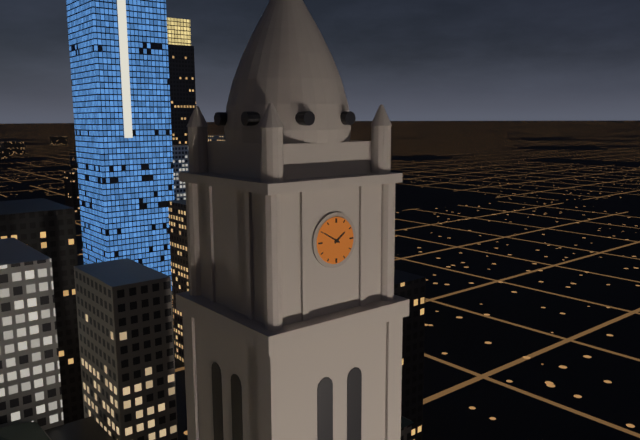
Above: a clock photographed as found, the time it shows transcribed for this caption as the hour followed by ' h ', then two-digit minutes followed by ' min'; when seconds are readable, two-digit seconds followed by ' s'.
1 h 50 min
